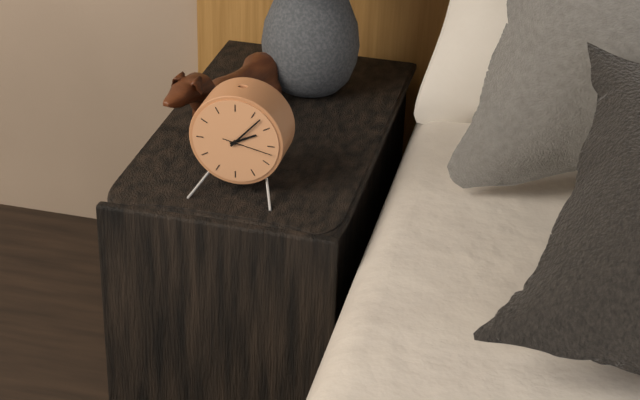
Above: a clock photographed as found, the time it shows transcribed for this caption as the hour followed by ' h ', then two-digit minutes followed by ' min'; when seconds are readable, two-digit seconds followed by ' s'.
2 h 07 min
